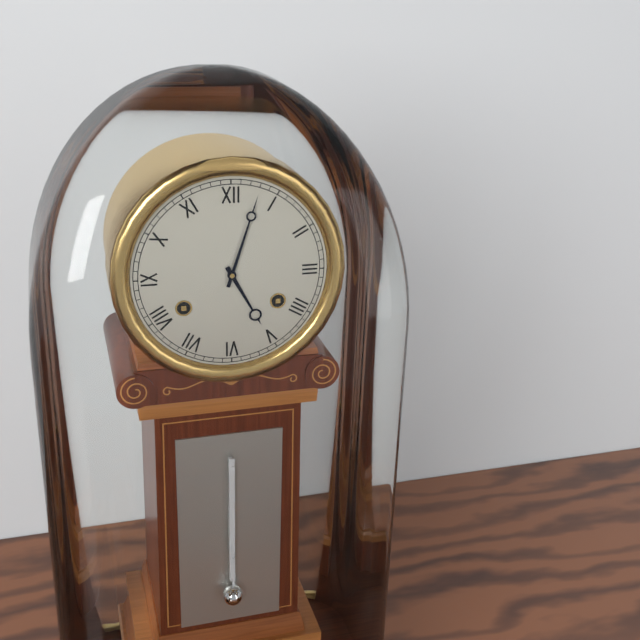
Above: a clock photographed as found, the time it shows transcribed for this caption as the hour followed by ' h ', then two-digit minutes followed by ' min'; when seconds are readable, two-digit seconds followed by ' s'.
5 h 03 min
